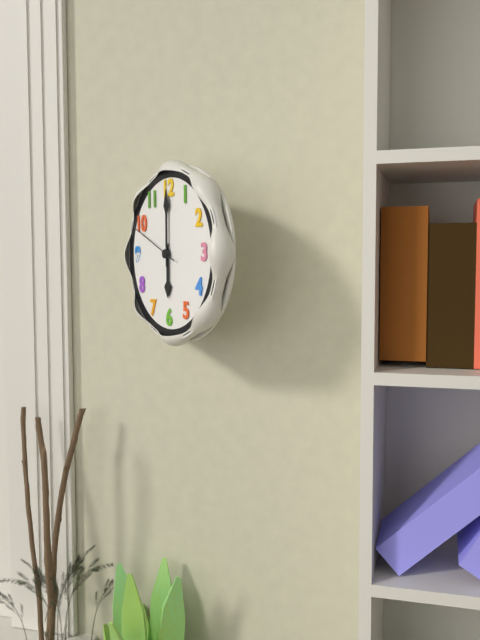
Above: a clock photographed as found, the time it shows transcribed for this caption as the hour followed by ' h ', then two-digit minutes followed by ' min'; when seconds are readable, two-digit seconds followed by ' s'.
6 h 00 min 49 s
